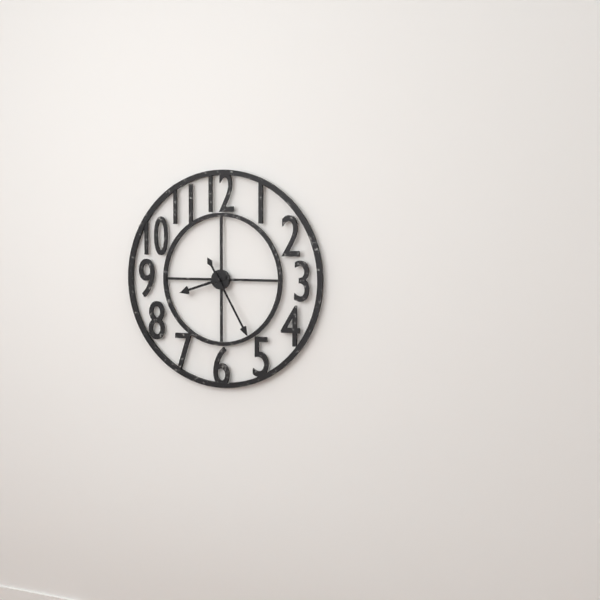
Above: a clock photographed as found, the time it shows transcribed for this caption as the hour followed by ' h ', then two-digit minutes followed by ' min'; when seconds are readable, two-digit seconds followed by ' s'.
8 h 25 min
